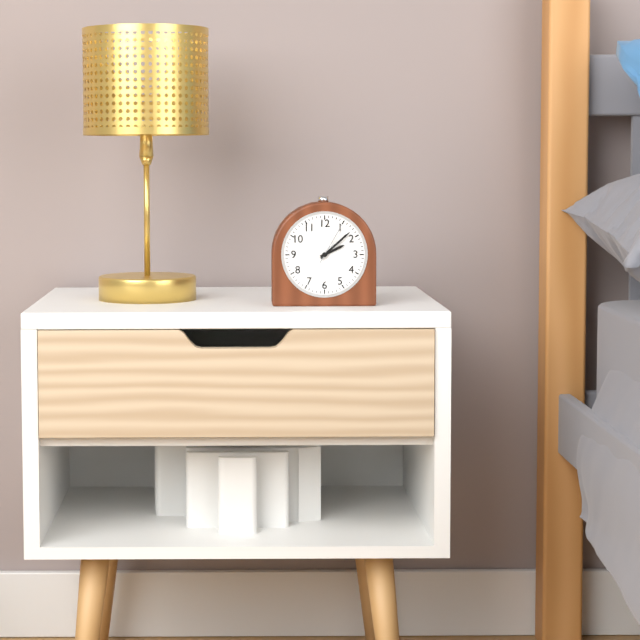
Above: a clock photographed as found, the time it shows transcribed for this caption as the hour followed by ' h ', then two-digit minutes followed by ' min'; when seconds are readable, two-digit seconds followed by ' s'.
2 h 08 min
